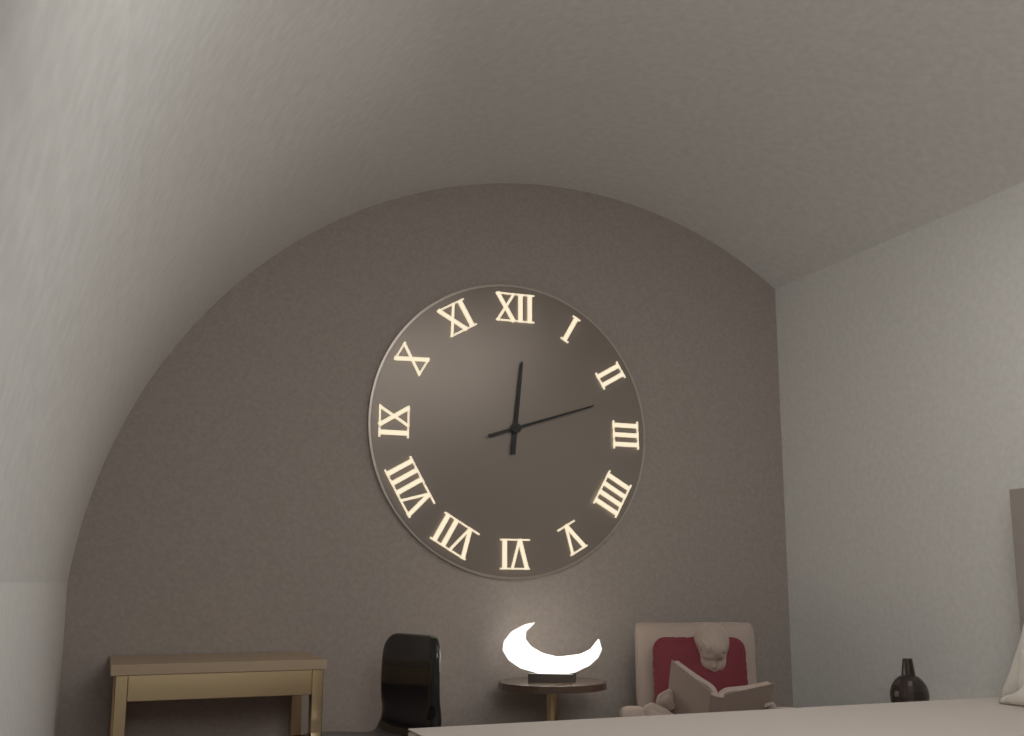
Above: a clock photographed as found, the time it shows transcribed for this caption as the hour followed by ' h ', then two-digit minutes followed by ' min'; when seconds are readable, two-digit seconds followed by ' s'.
12 h 12 min
